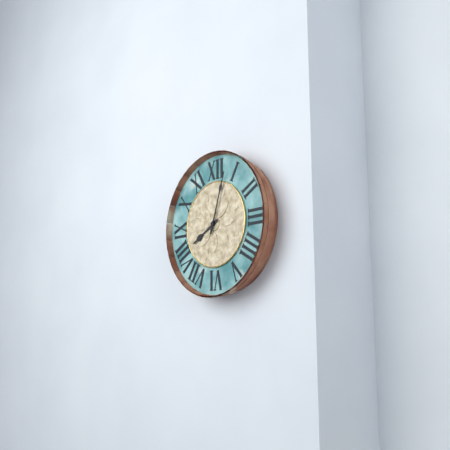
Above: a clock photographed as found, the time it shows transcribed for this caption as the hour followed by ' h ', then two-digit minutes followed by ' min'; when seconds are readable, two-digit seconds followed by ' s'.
8 h 03 min
